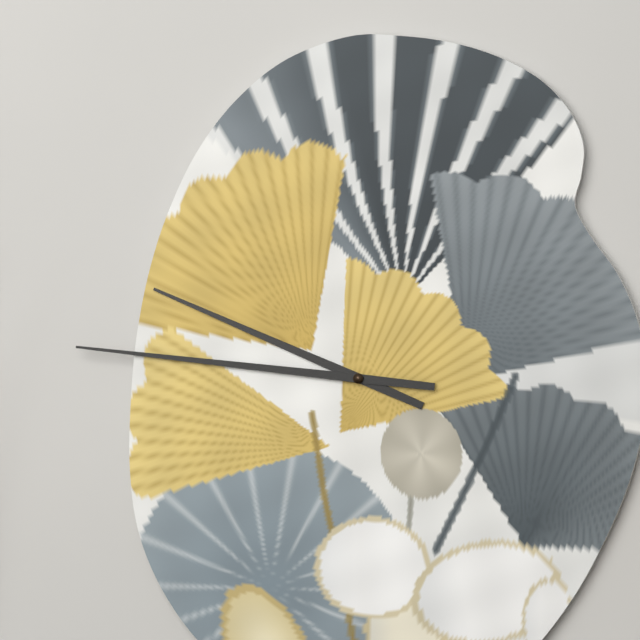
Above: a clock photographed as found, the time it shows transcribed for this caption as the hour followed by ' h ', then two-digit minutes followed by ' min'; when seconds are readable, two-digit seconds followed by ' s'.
9 h 46 min
